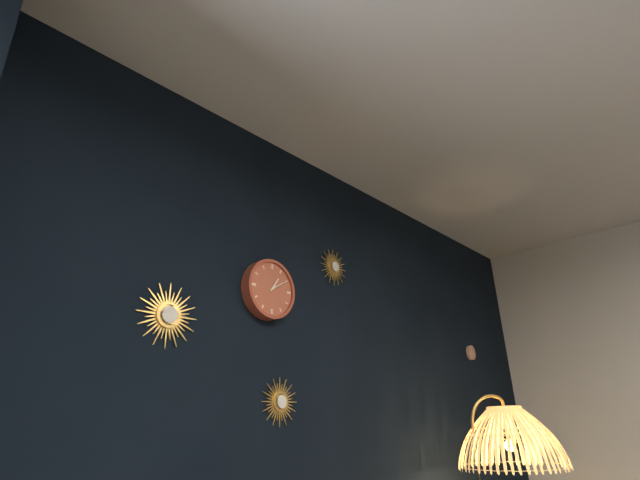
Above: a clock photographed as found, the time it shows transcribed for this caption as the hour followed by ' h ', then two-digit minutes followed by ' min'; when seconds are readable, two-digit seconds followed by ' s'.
1 h 10 min
